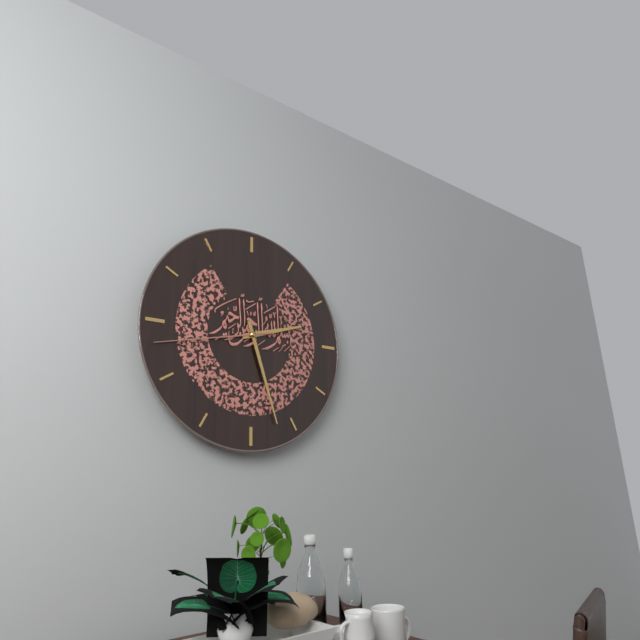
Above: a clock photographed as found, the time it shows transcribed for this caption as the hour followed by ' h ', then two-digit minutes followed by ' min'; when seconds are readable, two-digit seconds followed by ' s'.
2 h 27 min 43 s
